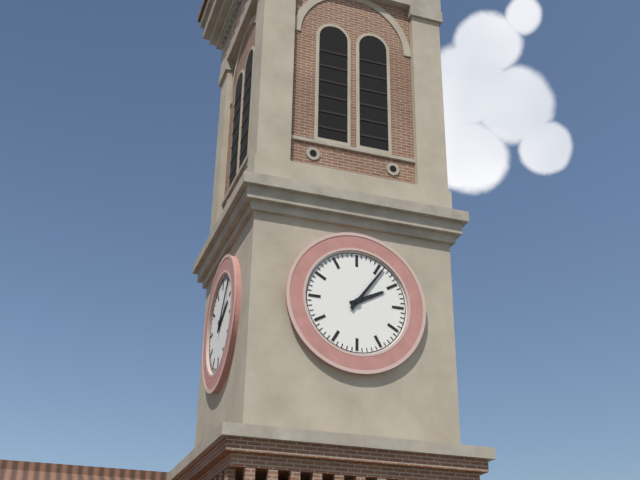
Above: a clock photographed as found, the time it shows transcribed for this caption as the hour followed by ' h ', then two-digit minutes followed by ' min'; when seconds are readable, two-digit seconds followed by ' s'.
2 h 06 min
